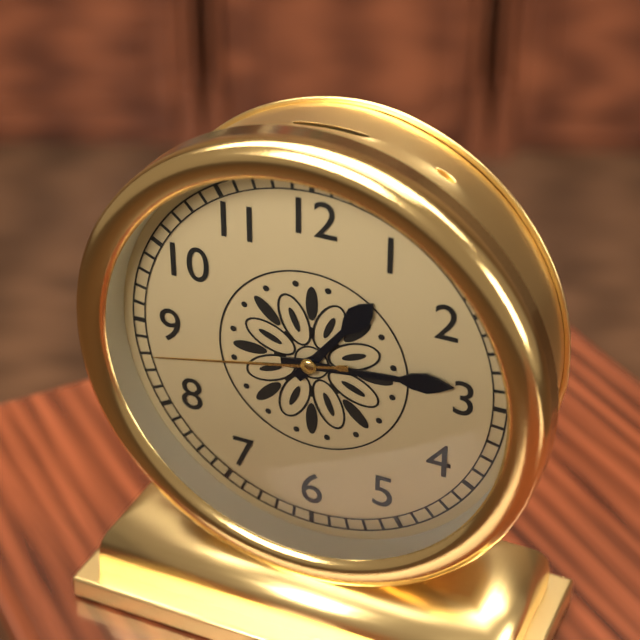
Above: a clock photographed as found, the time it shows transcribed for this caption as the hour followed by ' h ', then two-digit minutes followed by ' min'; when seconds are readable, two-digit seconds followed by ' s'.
1 h 14 min 43 s
